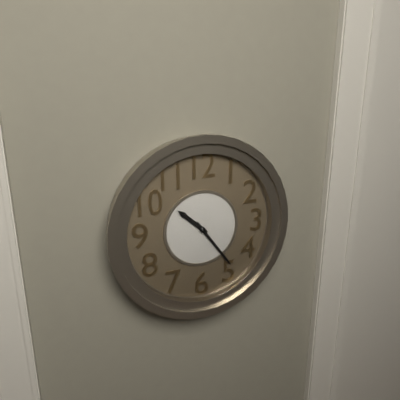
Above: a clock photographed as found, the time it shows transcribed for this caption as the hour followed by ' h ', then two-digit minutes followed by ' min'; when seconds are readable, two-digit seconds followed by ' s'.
10 h 24 min
